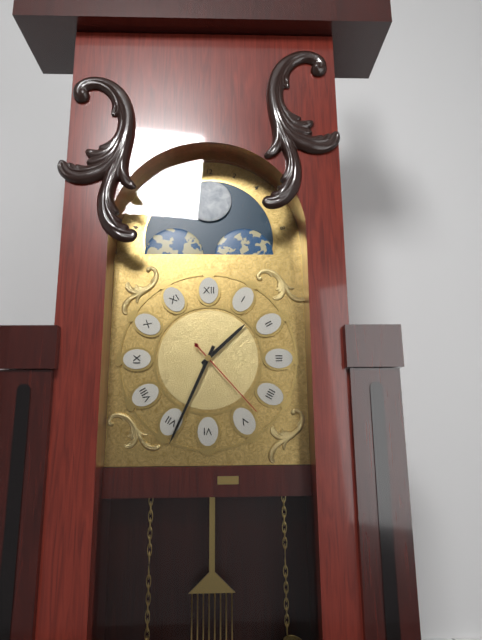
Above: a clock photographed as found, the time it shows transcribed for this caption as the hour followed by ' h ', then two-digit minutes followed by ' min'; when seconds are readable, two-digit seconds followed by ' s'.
1 h 34 min 23 s
